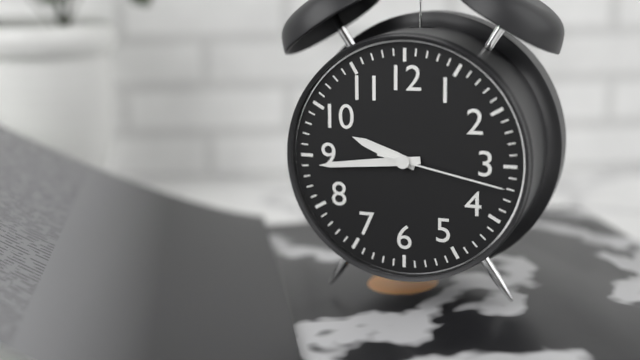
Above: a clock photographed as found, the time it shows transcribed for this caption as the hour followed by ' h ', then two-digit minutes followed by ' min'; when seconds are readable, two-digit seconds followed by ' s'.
9 h 44 min 17 s
